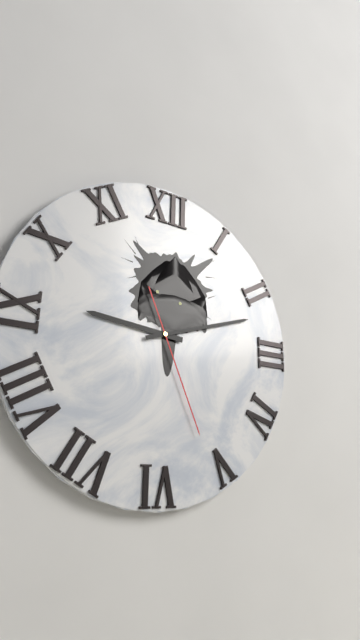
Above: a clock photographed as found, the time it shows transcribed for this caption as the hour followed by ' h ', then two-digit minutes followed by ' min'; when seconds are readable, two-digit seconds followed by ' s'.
9 h 12 min 26 s
